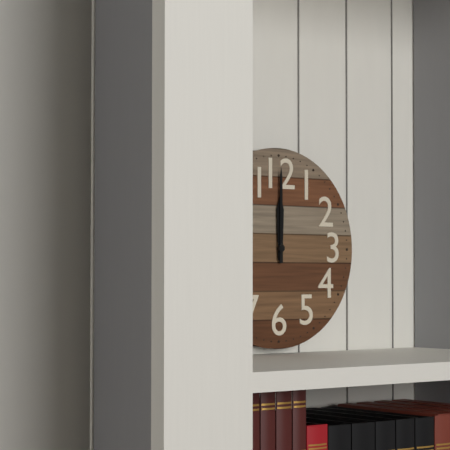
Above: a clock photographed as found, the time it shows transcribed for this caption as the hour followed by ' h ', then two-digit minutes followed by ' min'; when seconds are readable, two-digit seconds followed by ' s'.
12 h 00 min
